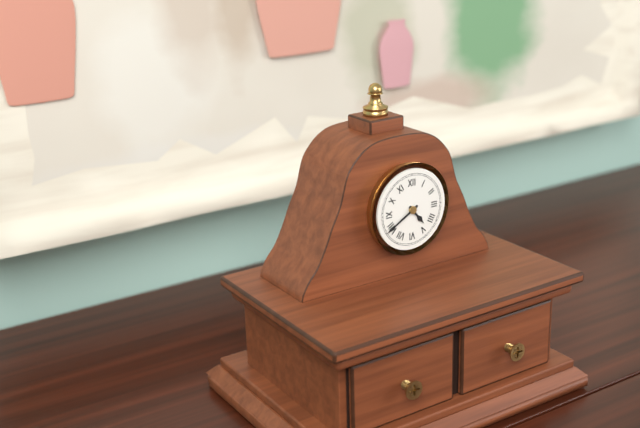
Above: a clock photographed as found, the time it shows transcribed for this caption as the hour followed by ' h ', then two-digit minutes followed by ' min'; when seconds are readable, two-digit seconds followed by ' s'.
4 h 40 min
